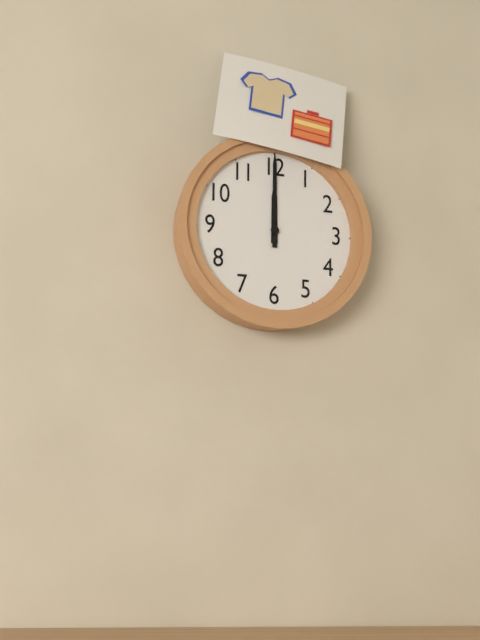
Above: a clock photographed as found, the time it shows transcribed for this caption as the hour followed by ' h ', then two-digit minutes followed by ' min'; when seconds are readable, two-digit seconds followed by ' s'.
12 h 00 min
